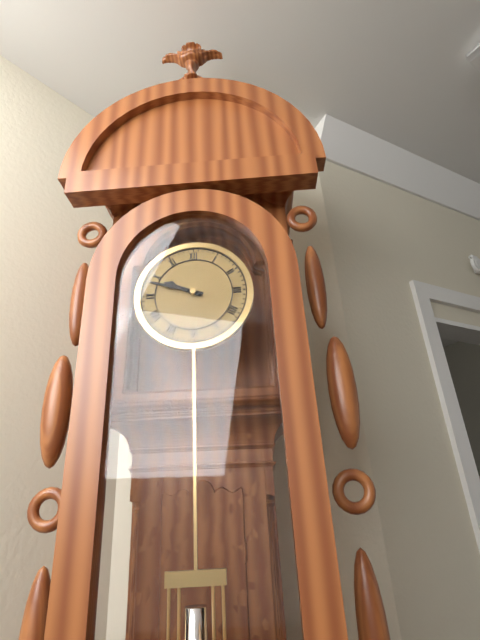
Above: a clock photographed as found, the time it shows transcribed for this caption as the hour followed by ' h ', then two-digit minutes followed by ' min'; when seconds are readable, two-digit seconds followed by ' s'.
9 h 48 min
